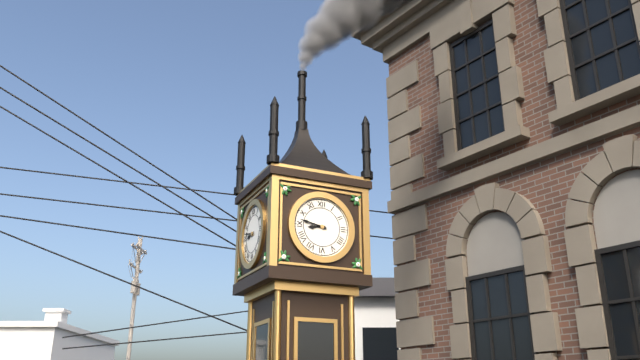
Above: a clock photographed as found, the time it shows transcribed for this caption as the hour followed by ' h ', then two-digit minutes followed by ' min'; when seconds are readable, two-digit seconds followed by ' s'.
8 h 47 min
